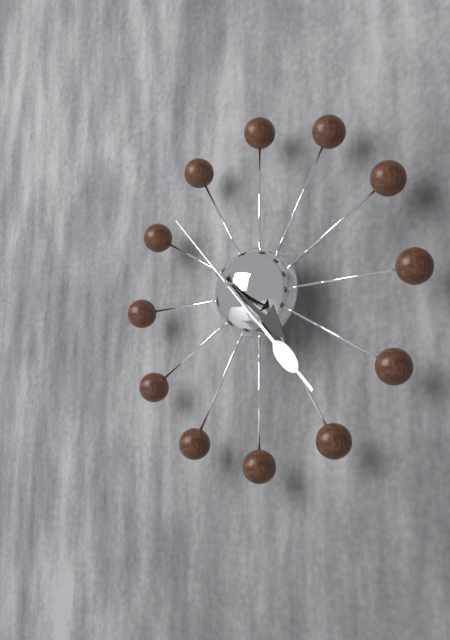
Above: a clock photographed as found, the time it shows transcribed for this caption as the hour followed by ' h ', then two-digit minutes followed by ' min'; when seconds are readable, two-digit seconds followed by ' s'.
4 h 23 min 53 s
